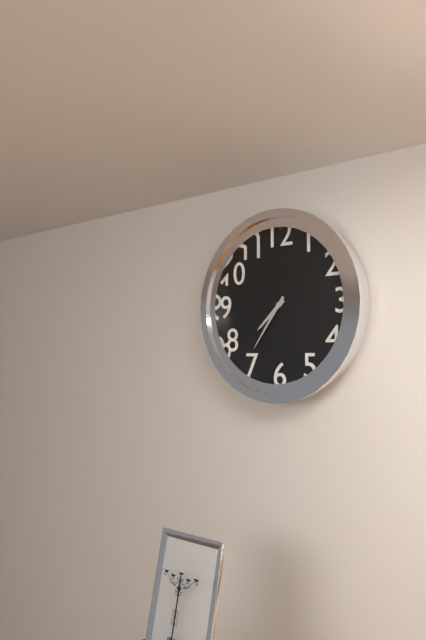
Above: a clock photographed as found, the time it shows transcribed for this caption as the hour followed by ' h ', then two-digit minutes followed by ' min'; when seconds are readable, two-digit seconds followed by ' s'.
7 h 36 min
